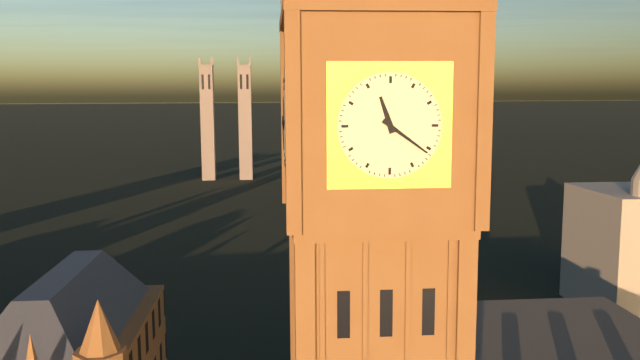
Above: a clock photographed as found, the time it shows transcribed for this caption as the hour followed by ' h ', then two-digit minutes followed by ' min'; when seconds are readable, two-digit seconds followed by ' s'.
11 h 21 min
